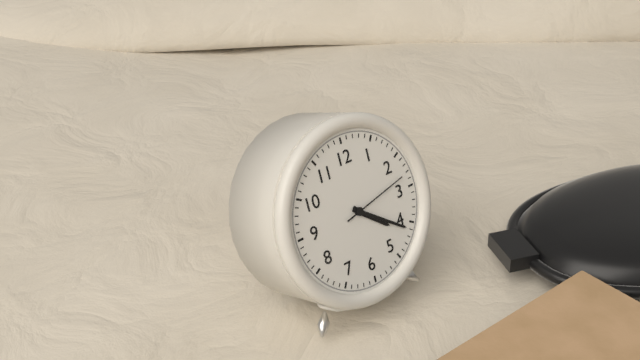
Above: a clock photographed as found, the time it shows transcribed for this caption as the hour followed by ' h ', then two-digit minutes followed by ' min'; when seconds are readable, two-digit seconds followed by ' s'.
4 h 21 min 13 s
